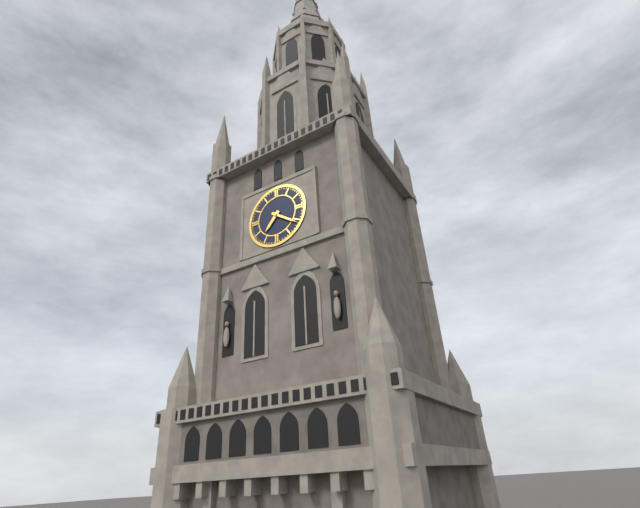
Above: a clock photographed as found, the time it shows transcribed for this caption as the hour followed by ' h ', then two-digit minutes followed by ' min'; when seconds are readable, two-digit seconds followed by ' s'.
7 h 21 min
